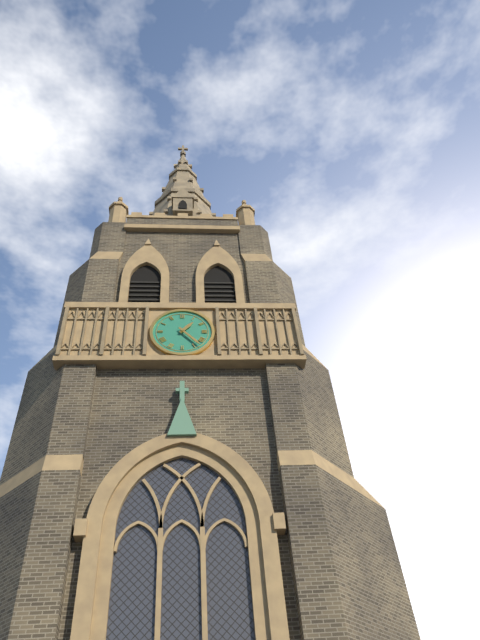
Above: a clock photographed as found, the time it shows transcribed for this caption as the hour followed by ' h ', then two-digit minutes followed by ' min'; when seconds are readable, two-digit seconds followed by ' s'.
1 h 23 min
